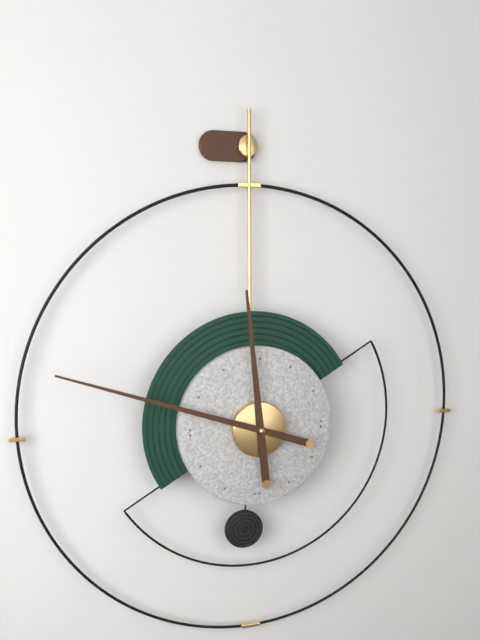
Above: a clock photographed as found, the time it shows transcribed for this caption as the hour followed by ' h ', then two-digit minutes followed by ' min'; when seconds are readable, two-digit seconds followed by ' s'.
11 h 48 min
